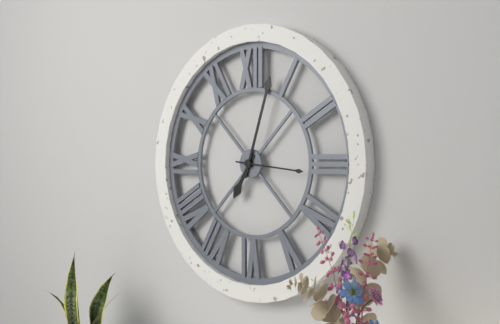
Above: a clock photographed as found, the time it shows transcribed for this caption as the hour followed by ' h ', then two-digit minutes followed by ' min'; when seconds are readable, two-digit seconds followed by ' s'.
7 h 03 min 16 s
